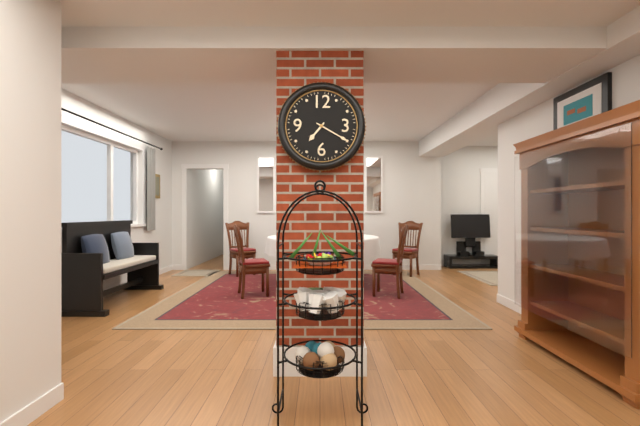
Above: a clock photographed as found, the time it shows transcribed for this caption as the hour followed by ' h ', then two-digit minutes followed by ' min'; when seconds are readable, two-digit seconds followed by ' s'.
7 h 20 min
